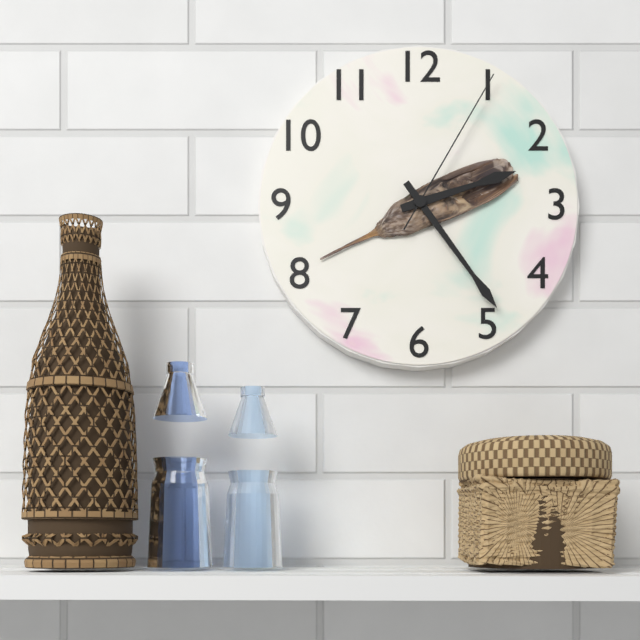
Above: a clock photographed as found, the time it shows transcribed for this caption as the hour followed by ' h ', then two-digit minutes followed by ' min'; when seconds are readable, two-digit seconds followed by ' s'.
2 h 24 min 05 s
